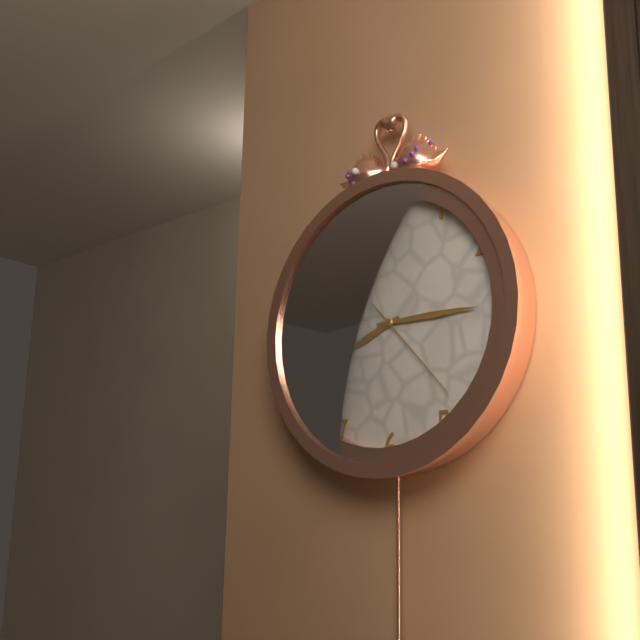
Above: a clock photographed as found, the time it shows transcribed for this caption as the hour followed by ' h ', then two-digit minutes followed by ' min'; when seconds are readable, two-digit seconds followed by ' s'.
8 h 15 min 23 s
